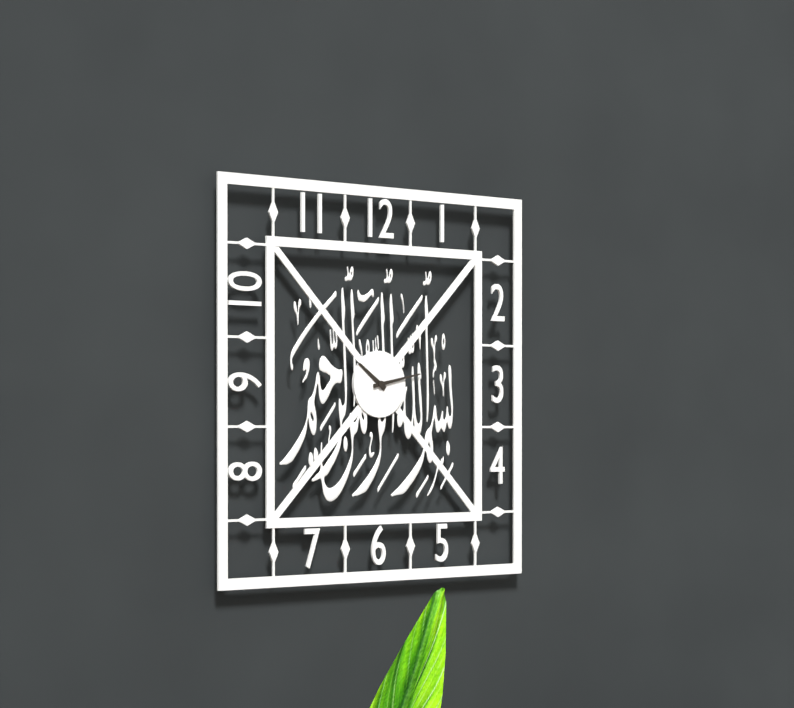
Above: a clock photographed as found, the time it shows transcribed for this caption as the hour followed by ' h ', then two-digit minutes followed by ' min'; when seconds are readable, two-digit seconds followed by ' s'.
10 h 13 min
